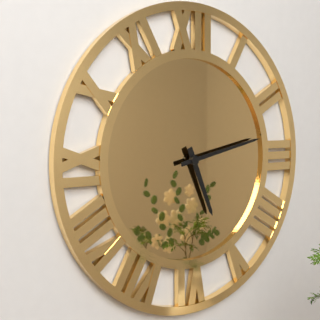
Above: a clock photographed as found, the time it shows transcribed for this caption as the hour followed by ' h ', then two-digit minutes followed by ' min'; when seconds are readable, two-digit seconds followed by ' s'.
5 h 13 min
